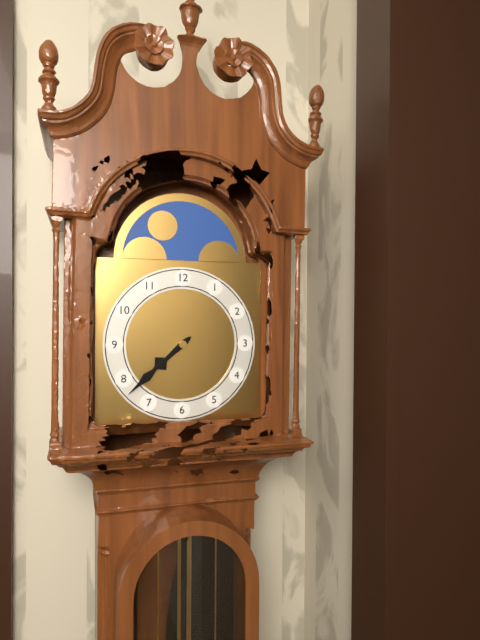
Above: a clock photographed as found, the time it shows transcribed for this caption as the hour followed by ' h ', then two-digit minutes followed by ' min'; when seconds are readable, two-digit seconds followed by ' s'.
7 h 38 min
